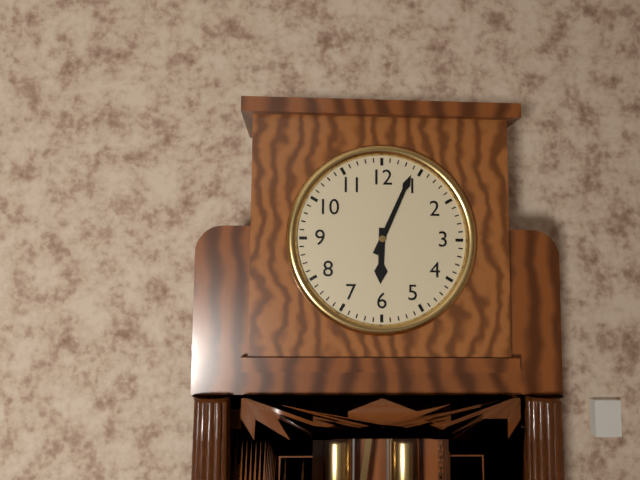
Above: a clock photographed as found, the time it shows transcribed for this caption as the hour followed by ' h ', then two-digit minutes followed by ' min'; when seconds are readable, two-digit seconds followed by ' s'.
6 h 04 min
